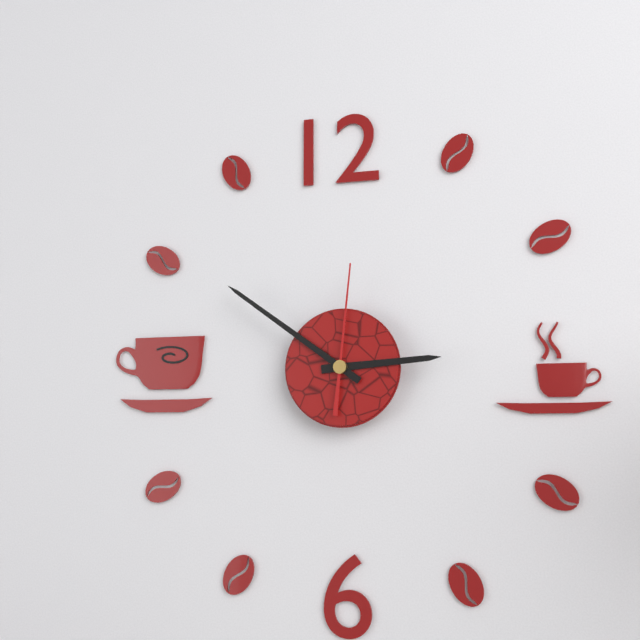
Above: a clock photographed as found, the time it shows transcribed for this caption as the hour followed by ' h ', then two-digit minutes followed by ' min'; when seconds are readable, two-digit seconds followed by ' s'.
2 h 51 min 01 s
